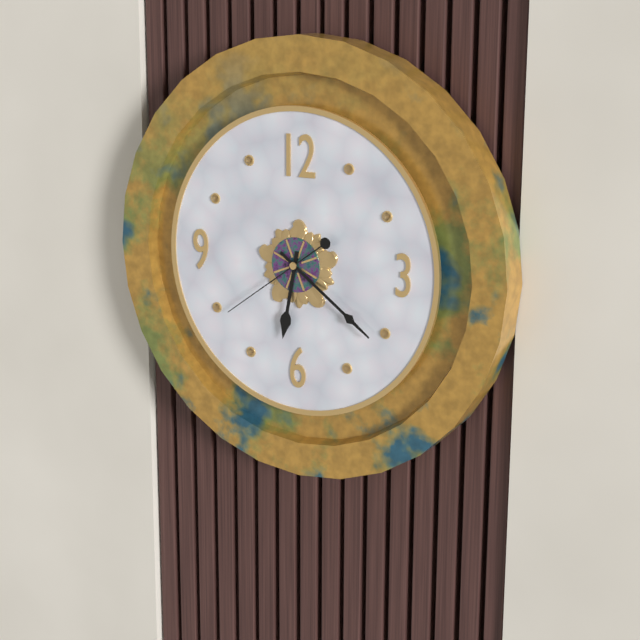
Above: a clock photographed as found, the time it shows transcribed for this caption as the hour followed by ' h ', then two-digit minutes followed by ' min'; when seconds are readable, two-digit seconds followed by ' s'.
6 h 21 min 39 s
